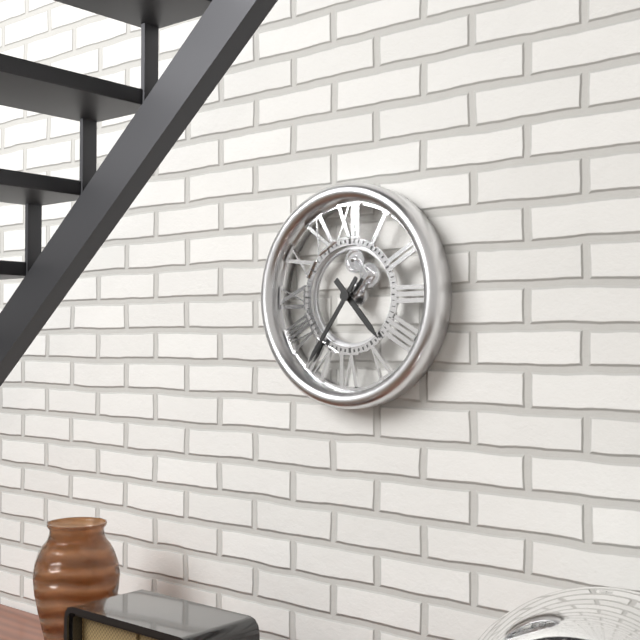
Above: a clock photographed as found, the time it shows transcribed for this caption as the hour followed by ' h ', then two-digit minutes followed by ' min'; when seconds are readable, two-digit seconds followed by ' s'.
4 h 36 min
